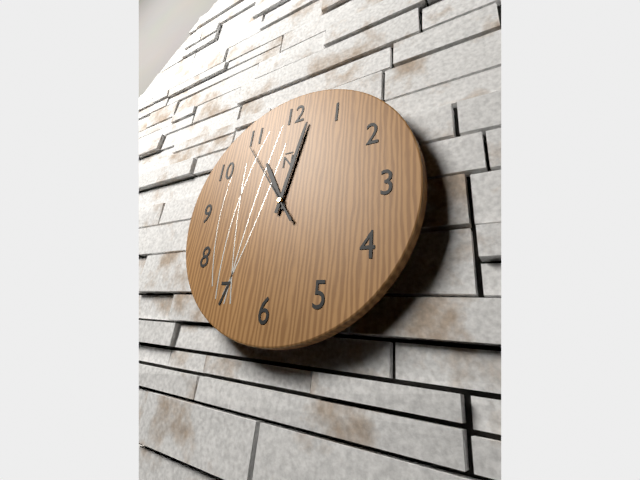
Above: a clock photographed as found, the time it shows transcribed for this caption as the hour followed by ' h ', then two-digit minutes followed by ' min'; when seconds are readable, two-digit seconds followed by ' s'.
11 h 02 min 54 s
